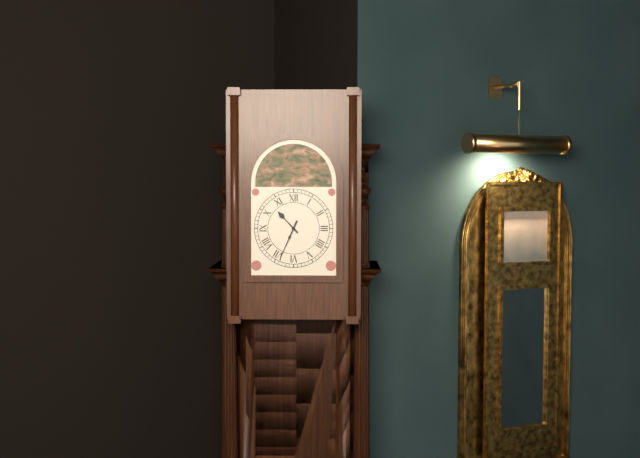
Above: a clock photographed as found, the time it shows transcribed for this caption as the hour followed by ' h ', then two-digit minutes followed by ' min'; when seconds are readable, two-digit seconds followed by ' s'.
10 h 34 min
